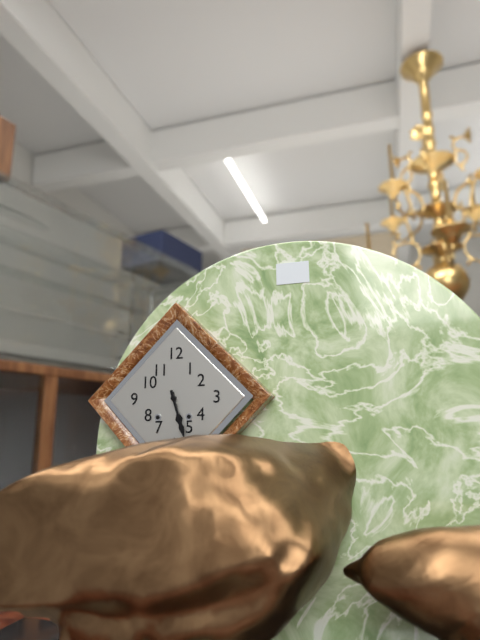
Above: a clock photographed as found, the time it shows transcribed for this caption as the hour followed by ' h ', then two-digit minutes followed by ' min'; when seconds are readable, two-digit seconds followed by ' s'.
5 h 27 min
